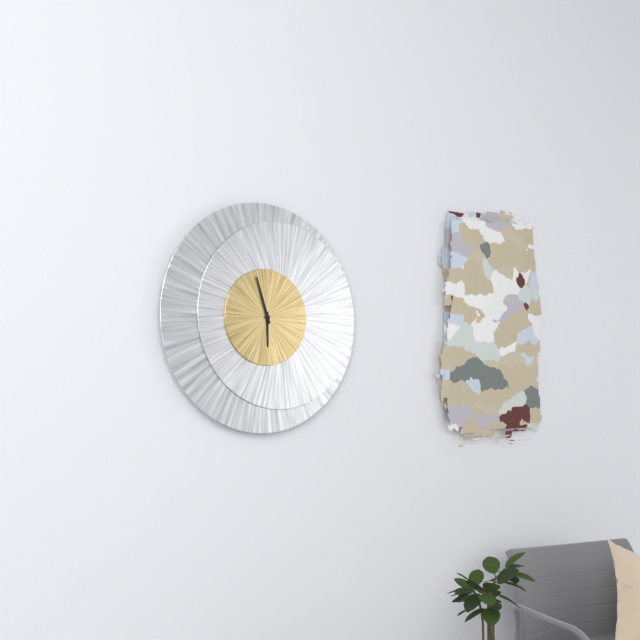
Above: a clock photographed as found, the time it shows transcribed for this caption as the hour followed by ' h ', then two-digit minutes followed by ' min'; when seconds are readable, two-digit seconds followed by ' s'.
5 h 57 min
